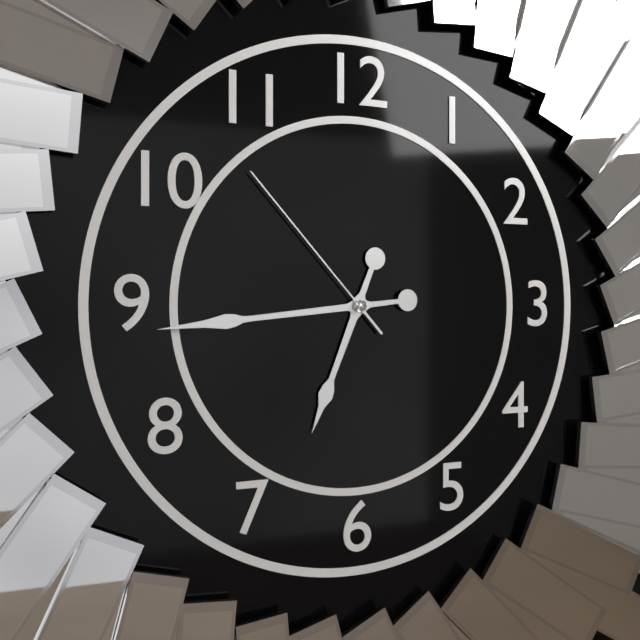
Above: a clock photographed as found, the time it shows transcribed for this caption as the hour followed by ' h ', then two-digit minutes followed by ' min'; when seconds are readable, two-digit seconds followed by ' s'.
6 h 44 min 53 s
